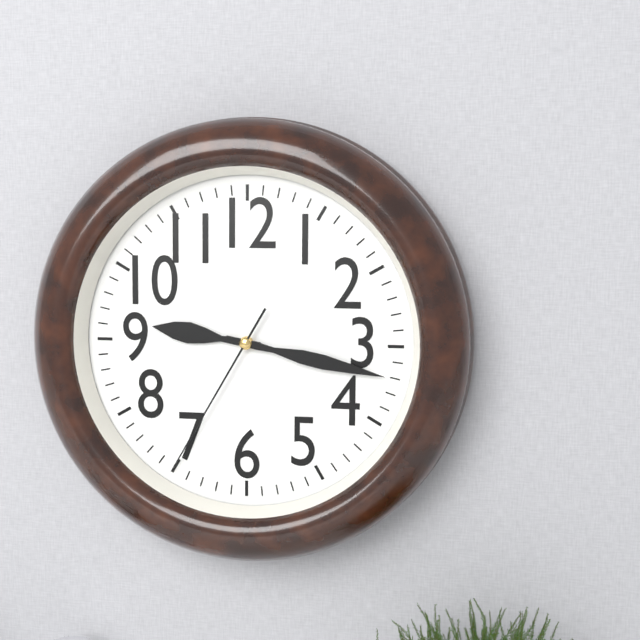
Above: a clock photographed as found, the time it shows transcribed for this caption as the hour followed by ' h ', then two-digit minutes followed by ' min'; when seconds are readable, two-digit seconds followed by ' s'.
9 h 17 min 35 s
